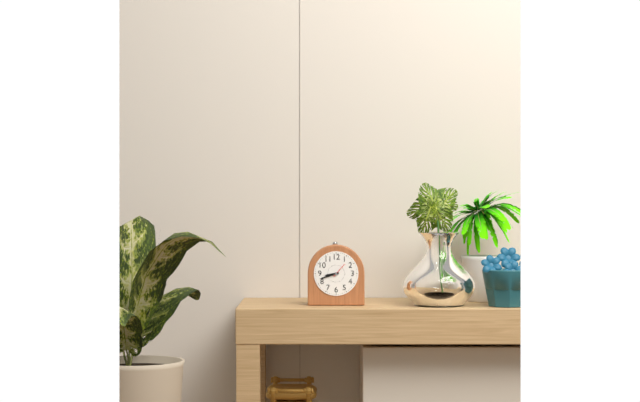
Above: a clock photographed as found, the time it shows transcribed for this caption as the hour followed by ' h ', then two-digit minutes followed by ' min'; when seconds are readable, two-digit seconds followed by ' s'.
8 h 42 min
